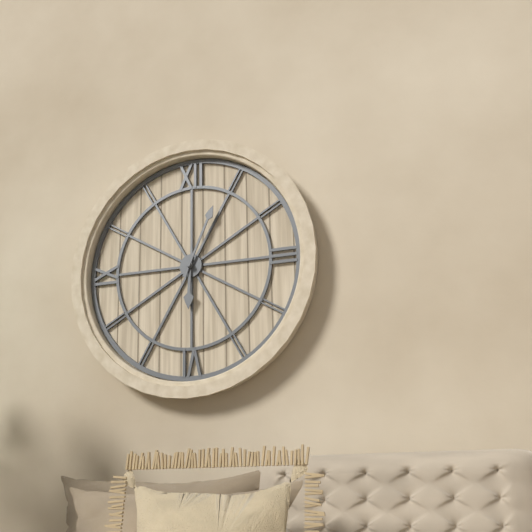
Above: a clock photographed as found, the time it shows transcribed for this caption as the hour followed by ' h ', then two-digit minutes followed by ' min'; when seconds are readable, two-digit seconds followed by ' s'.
6 h 04 min
